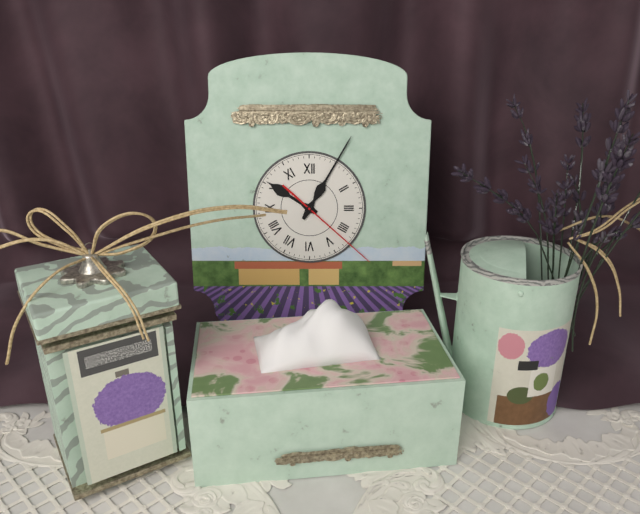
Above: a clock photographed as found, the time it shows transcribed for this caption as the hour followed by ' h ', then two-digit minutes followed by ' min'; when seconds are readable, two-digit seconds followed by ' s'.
10 h 05 min 22 s
